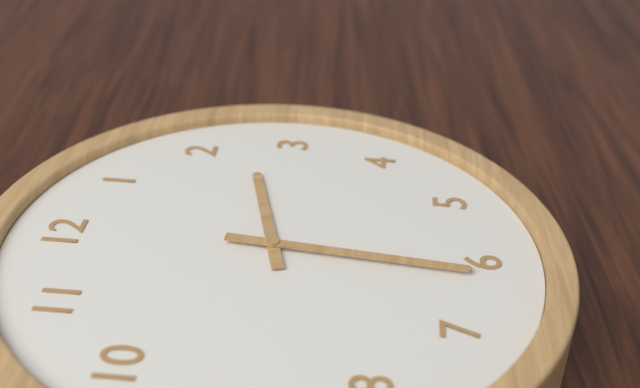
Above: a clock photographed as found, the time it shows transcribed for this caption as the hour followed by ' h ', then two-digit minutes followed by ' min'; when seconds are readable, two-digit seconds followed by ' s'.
2 h 31 min
